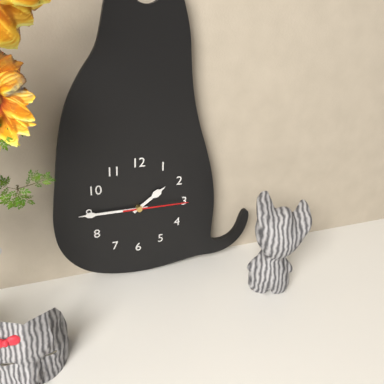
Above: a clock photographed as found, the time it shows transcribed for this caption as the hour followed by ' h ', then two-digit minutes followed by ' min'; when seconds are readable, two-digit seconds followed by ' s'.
1 h 45 min 15 s
